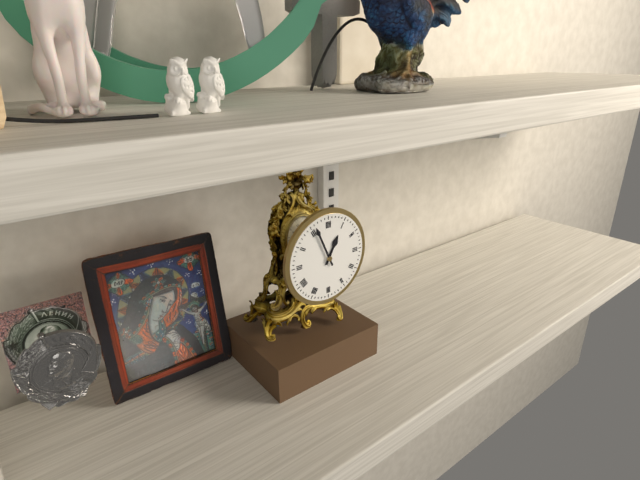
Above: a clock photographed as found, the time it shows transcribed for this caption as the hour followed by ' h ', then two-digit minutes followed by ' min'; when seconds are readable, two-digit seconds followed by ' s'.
12 h 56 min
